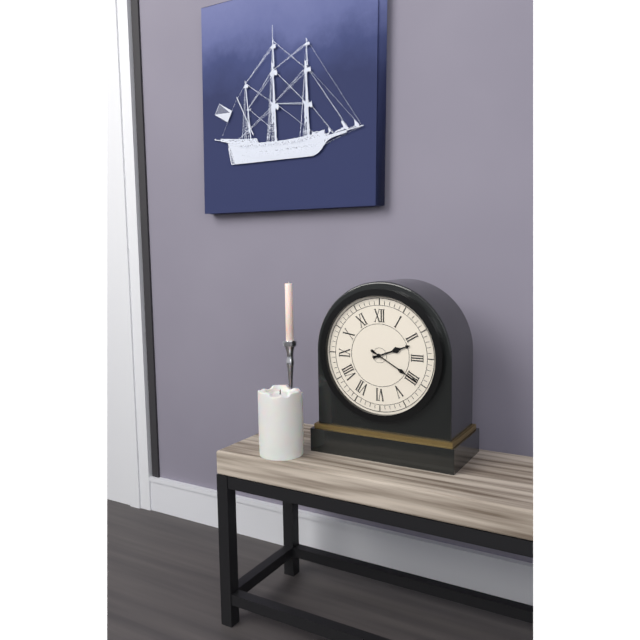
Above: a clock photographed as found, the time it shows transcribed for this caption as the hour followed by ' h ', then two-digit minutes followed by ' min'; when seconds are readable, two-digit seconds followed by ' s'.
2 h 20 min
